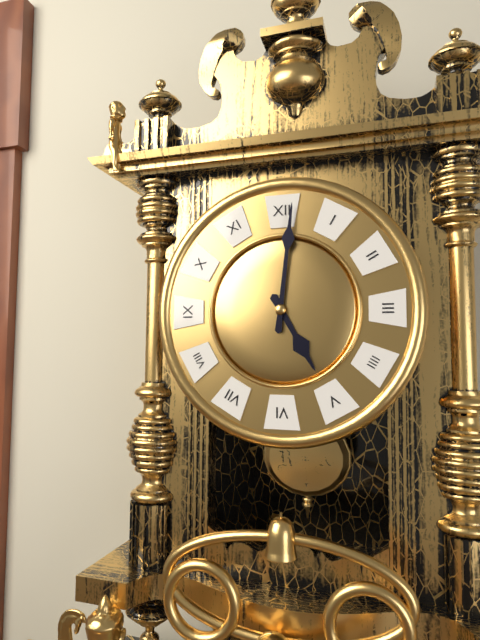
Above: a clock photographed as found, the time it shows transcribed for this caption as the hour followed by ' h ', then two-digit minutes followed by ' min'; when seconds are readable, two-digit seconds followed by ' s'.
5 h 01 min
